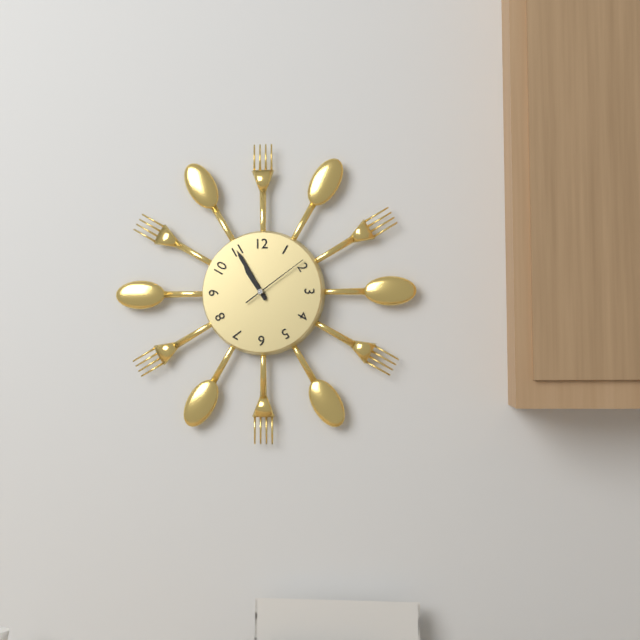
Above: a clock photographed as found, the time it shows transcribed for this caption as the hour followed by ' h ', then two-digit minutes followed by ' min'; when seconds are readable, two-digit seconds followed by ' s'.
10 h 55 min 09 s
